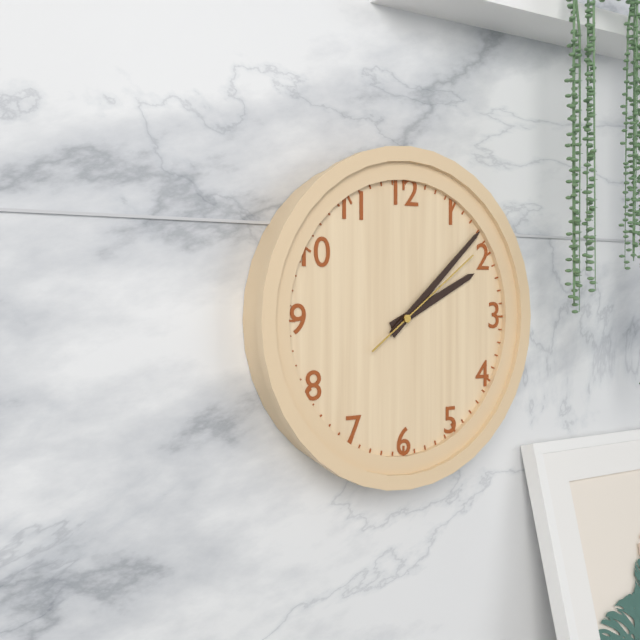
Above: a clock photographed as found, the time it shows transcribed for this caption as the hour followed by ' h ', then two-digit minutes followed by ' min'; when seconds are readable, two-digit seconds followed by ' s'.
2 h 08 min 09 s
